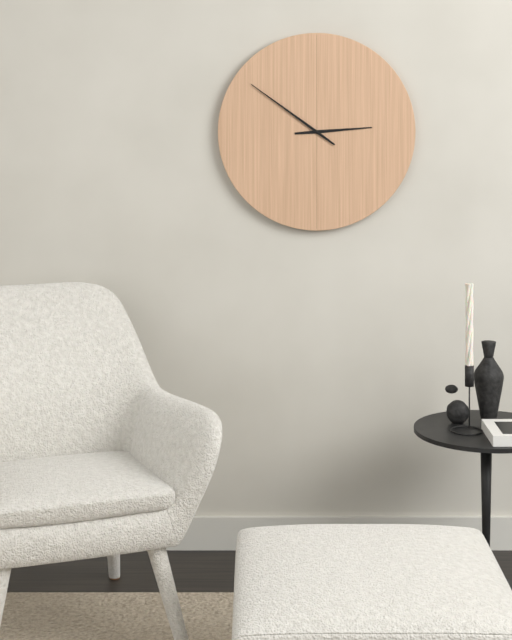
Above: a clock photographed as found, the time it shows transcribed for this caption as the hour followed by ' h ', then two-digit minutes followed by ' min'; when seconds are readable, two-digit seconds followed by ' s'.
2 h 51 min
